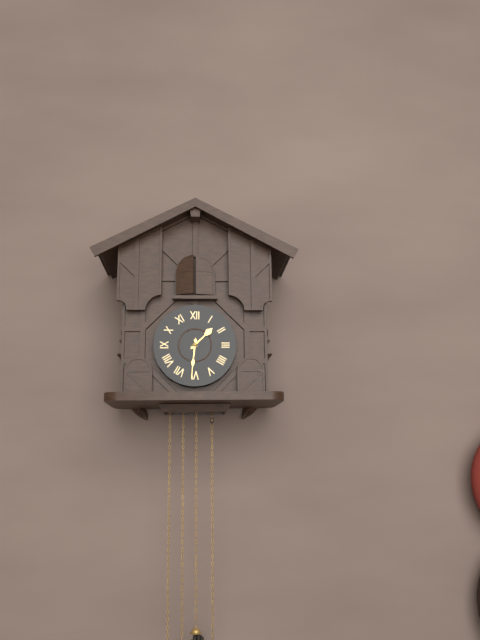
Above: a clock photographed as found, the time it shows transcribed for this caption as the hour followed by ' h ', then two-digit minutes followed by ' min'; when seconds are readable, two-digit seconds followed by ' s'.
1 h 31 min
